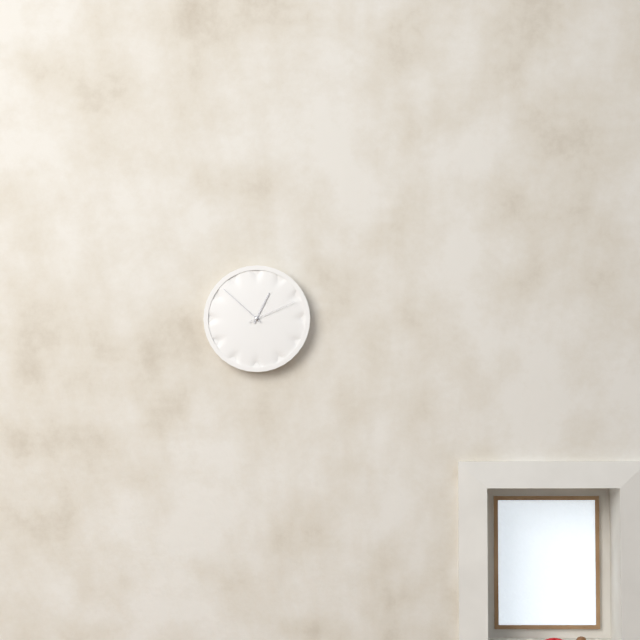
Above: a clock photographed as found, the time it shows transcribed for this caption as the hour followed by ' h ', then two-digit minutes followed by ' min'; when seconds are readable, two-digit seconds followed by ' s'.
12 h 52 min 11 s
